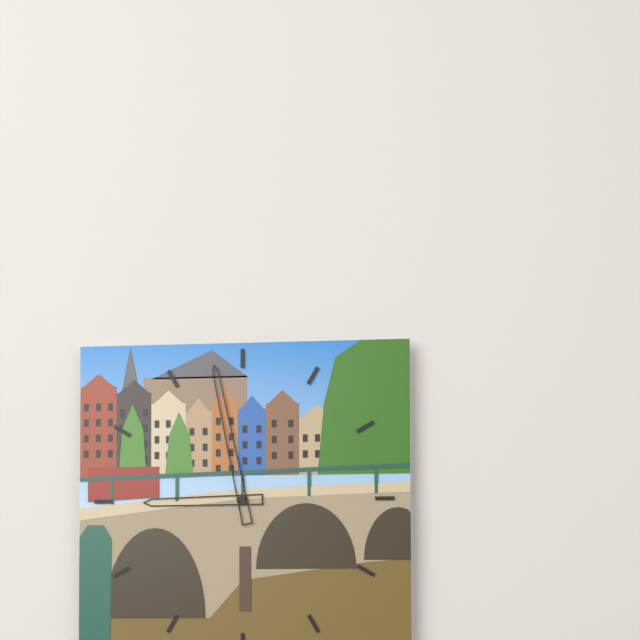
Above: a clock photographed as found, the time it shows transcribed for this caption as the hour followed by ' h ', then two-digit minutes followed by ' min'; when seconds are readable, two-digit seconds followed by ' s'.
8 h 58 min
